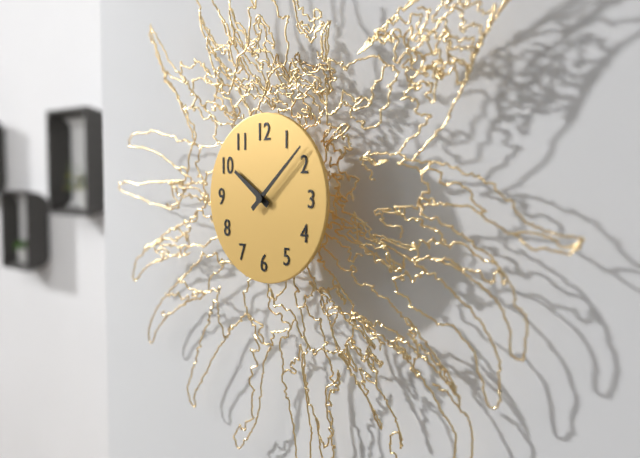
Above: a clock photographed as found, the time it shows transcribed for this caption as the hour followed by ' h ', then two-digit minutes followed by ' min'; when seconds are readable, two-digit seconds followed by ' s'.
10 h 08 min
